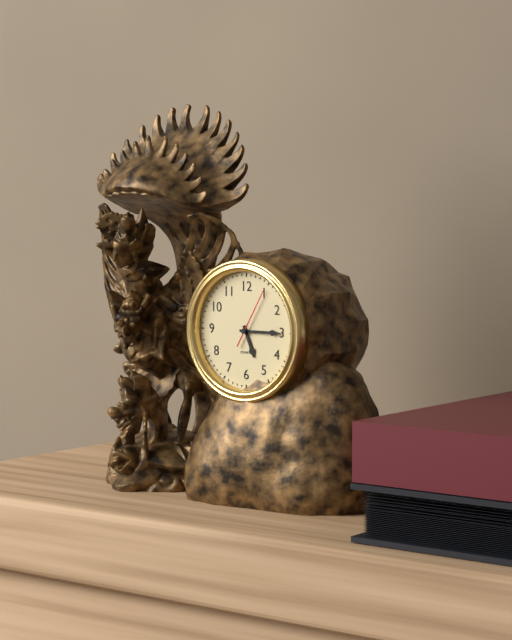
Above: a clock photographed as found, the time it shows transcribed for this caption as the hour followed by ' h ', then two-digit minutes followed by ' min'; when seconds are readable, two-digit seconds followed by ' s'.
5 h 15 min 05 s
